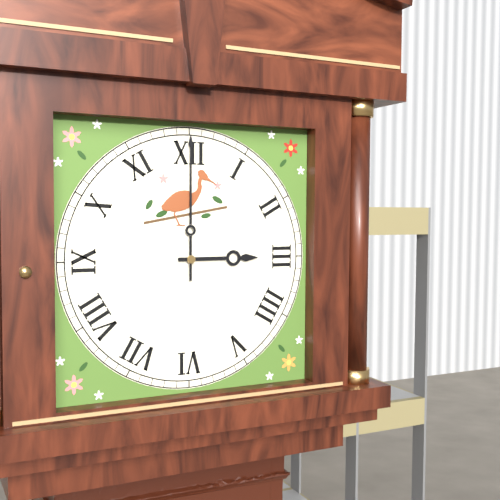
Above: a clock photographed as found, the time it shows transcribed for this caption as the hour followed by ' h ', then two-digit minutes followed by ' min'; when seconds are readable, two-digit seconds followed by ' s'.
3 h 00 min
